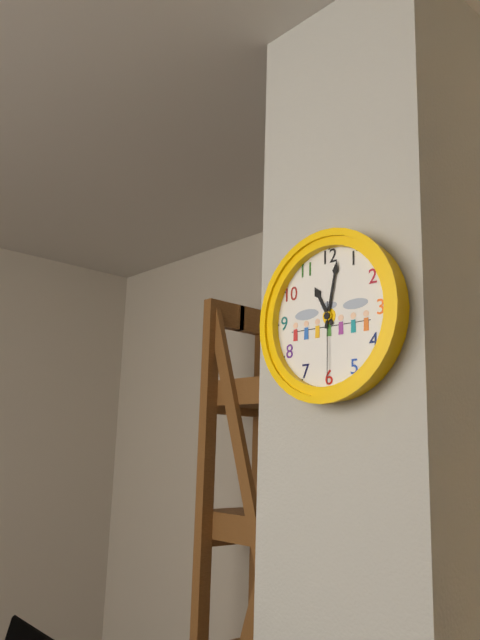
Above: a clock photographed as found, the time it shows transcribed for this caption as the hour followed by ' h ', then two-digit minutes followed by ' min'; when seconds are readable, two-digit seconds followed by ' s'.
11 h 02 min 30 s
